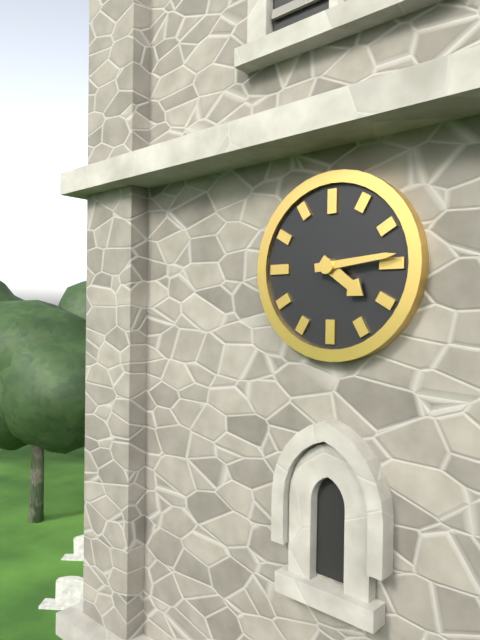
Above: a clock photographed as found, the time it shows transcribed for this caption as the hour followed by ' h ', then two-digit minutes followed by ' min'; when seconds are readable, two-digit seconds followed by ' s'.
4 h 14 min
